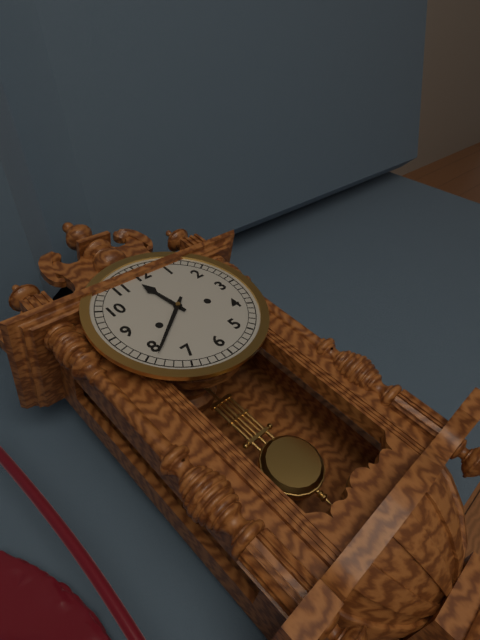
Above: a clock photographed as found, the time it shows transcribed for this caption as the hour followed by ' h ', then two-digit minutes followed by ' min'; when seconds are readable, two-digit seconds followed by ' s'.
11 h 39 min
